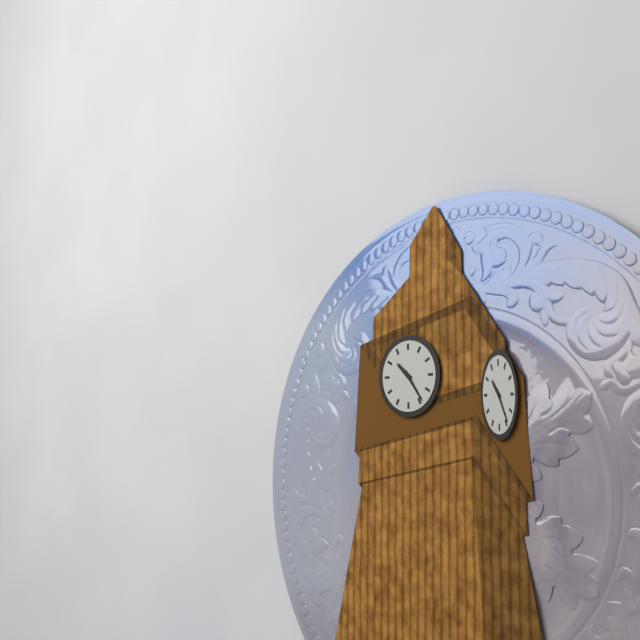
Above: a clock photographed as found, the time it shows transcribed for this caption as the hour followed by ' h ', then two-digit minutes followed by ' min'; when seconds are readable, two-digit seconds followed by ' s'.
10 h 24 min
